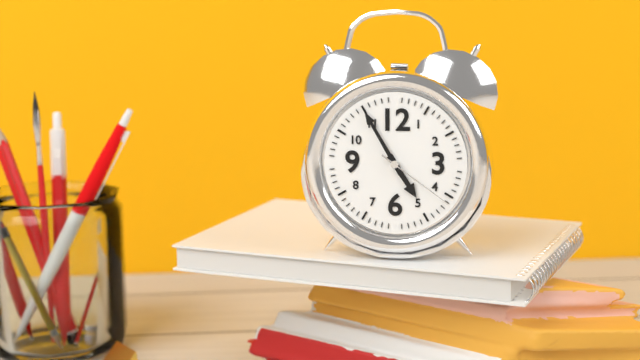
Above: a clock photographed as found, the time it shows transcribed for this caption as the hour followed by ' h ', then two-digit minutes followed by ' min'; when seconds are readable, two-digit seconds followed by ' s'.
4 h 55 min 21 s
